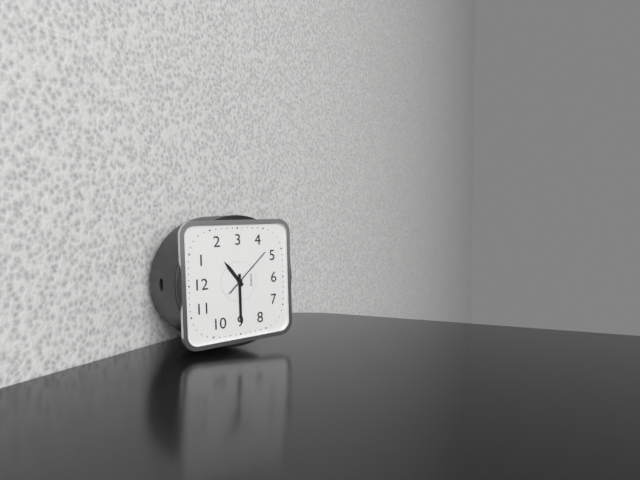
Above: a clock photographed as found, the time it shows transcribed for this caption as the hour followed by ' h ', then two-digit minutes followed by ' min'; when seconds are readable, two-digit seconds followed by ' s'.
1 h 45 min
